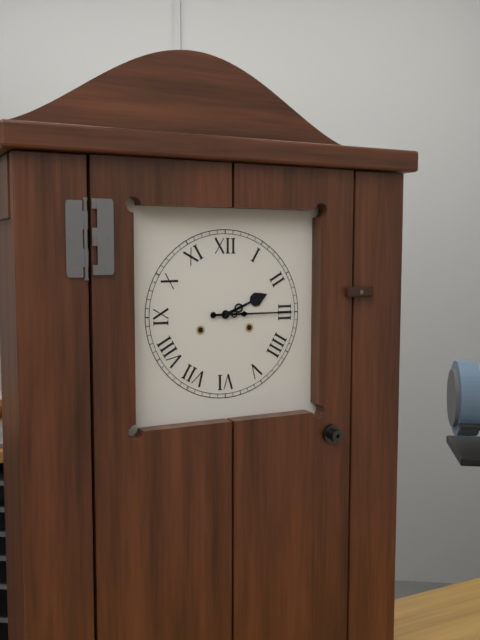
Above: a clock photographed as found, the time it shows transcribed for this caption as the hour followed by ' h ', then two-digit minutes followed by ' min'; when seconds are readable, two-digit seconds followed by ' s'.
2 h 15 min
